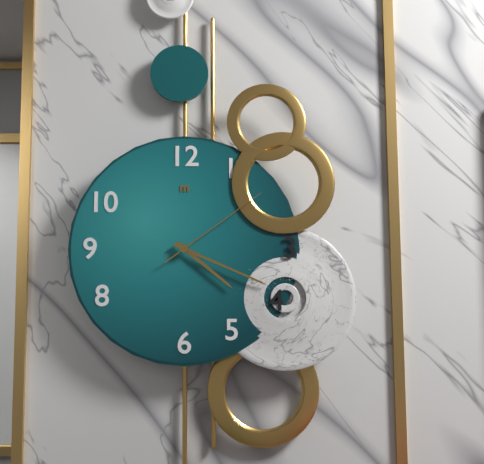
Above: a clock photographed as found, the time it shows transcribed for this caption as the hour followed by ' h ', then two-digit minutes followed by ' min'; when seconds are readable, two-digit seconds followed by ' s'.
4 h 19 min 09 s
